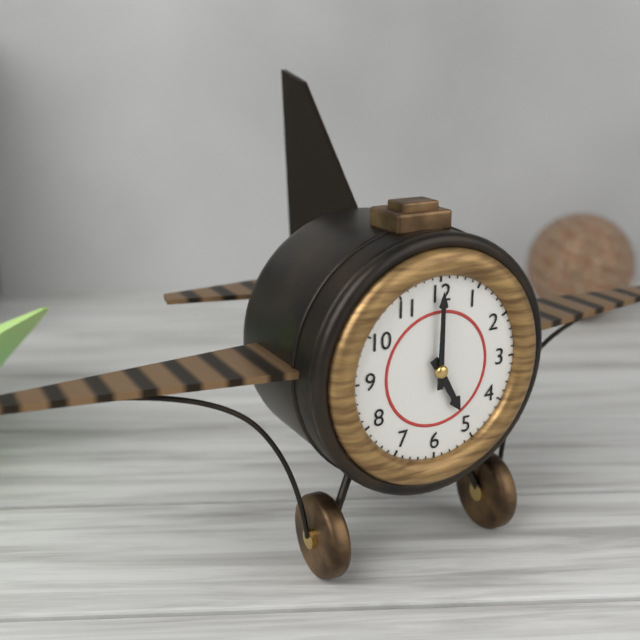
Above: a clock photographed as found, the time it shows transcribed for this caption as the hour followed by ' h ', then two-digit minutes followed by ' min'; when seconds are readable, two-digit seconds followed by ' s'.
5 h 00 min
